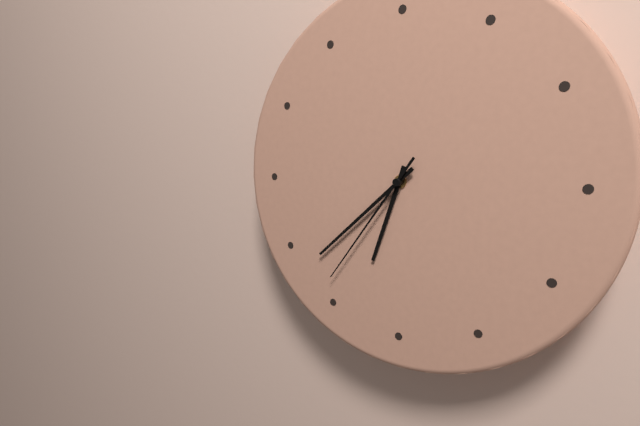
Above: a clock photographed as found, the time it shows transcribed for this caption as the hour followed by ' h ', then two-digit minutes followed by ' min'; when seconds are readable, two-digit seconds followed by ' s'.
6 h 38 min 36 s
